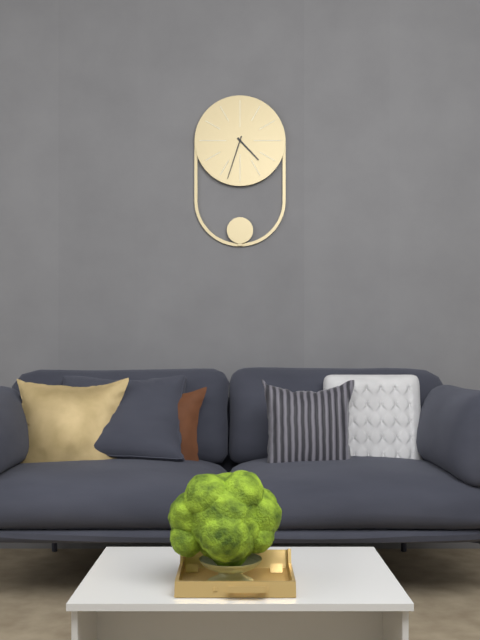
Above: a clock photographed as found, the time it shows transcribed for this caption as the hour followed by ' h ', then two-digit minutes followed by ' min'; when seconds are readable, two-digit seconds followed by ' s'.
4 h 33 min
